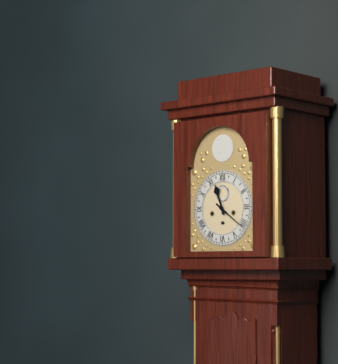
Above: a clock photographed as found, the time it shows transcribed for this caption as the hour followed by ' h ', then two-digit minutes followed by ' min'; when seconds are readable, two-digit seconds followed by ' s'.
11 h 21 min
